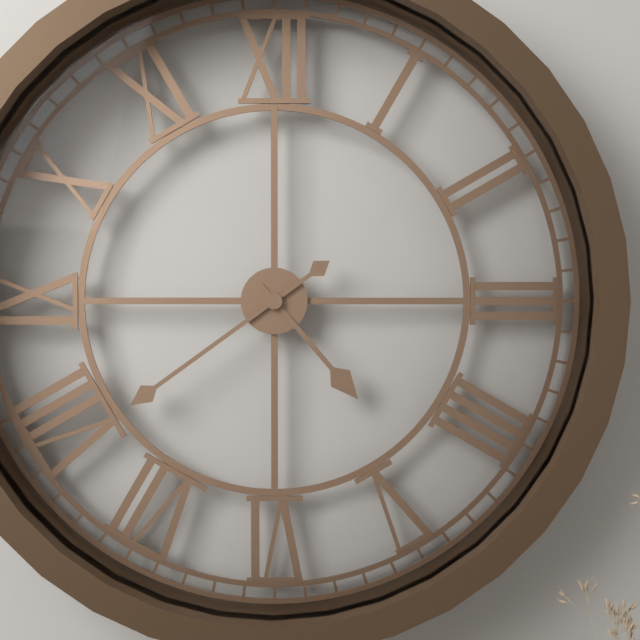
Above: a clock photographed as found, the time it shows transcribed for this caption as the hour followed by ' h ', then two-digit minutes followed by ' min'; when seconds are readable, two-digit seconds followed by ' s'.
4 h 39 min
